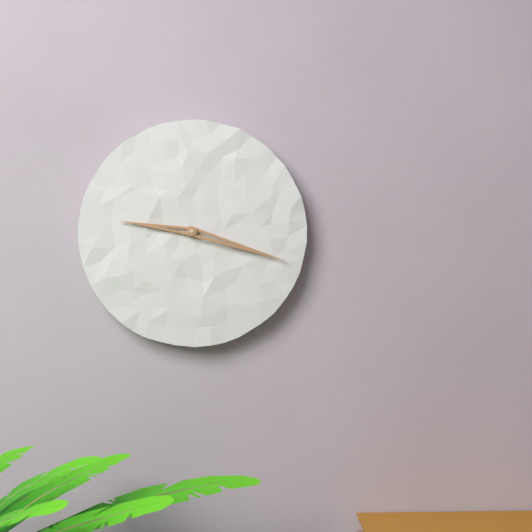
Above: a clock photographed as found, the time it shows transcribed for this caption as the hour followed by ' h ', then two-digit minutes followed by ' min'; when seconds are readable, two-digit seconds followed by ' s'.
9 h 18 min
